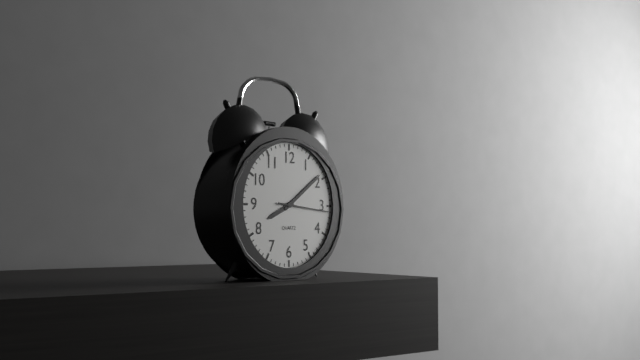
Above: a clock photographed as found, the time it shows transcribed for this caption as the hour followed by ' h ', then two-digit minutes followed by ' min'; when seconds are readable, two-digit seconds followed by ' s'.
8 h 09 min 16 s
